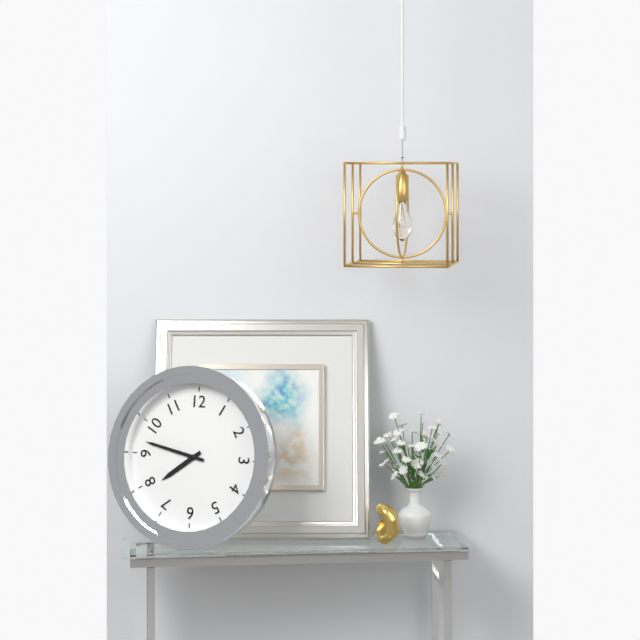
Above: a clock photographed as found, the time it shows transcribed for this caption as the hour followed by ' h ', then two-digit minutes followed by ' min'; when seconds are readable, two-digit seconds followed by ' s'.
7 h 47 min
